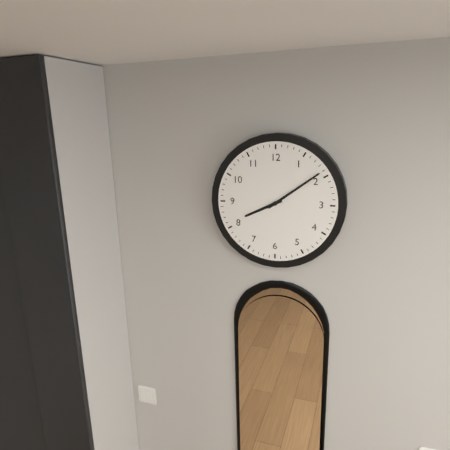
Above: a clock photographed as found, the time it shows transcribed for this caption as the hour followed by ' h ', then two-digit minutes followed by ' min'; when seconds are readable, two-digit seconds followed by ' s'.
8 h 09 min
